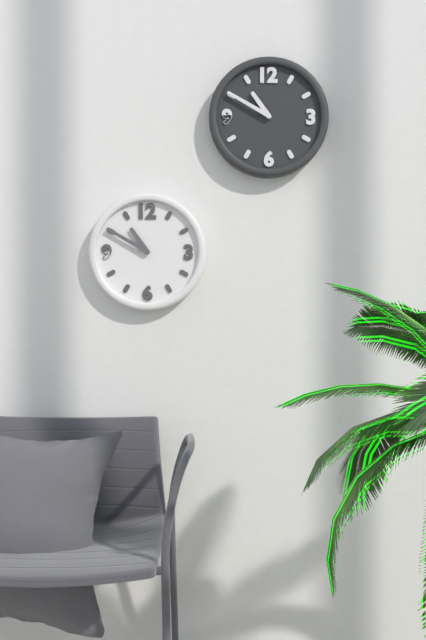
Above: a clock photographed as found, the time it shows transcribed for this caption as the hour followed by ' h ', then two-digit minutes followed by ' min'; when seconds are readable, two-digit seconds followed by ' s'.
10 h 50 min
